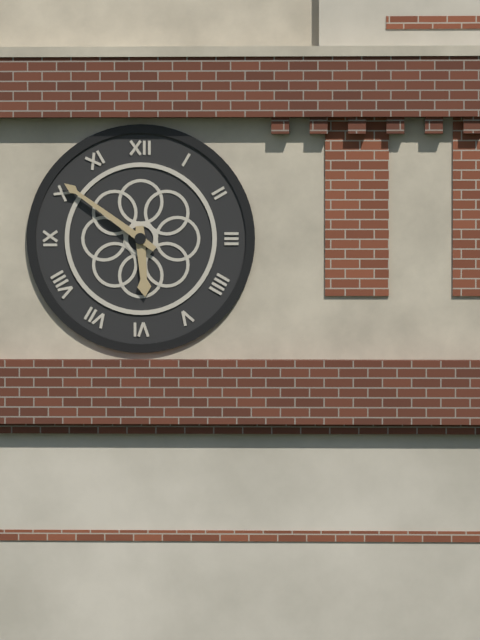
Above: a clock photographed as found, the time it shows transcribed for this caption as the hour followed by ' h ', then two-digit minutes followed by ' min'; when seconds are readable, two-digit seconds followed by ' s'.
5 h 51 min
